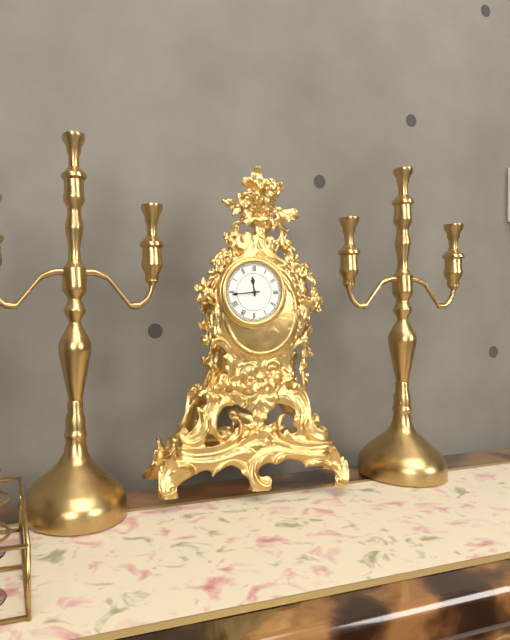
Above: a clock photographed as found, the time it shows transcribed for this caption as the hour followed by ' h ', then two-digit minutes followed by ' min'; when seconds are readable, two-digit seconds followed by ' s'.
11 h 44 min
